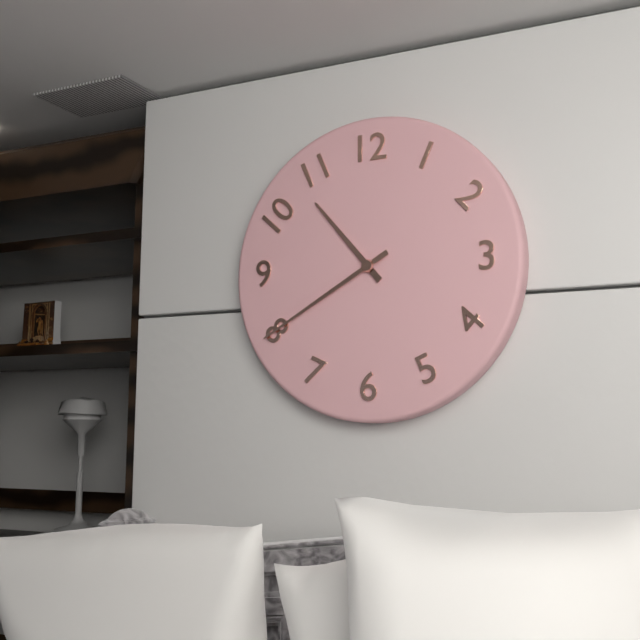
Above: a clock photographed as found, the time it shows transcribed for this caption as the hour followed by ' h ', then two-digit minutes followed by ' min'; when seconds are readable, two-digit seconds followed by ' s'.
10 h 40 min
